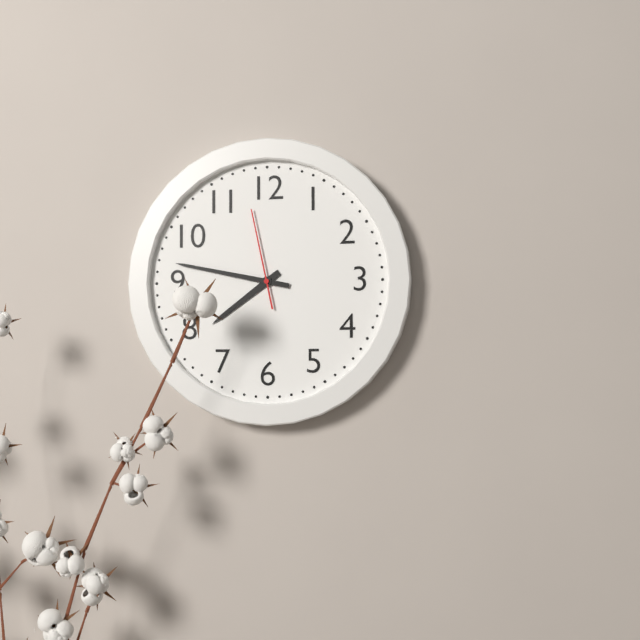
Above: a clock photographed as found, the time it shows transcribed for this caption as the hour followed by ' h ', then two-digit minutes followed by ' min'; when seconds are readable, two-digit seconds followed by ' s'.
7 h 47 min 58 s
